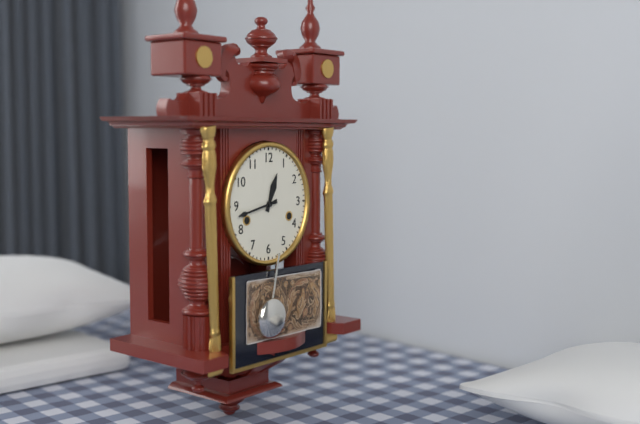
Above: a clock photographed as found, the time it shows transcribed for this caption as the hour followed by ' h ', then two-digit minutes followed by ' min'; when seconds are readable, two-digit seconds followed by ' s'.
12 h 43 min
